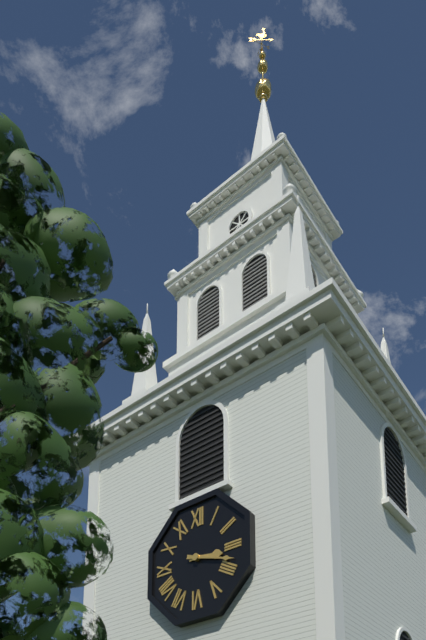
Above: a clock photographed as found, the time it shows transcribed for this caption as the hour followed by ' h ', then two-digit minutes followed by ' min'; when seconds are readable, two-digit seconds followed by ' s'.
3 h 18 min
